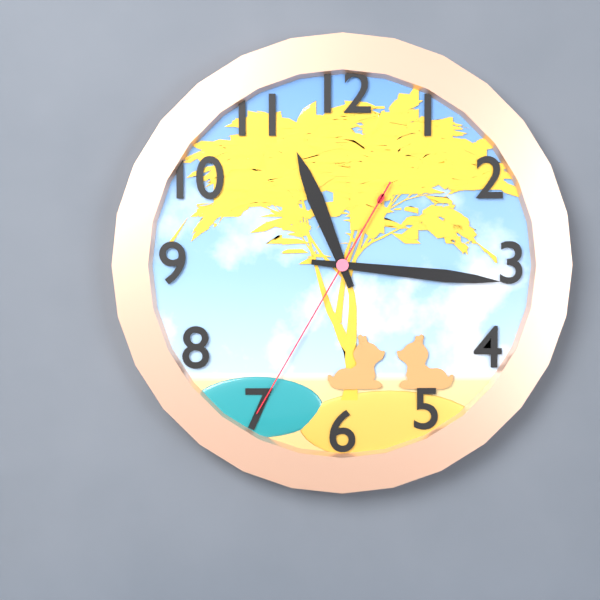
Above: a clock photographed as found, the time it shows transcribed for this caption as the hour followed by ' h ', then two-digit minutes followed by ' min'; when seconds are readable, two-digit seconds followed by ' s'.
11 h 16 min 35 s
